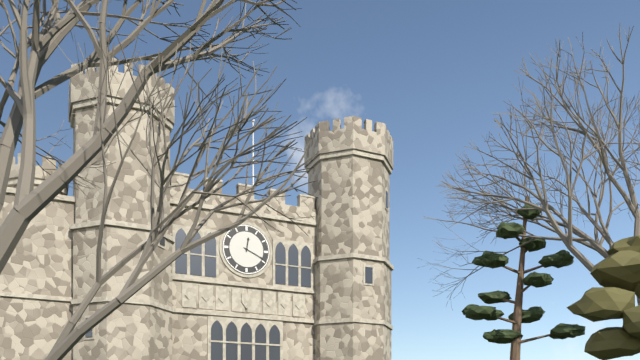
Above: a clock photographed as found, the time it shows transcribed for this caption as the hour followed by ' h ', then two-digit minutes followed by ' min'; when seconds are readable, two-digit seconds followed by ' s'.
12 h 19 min
